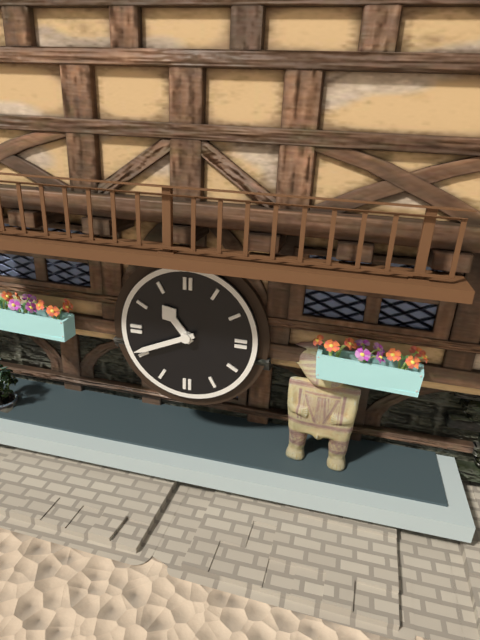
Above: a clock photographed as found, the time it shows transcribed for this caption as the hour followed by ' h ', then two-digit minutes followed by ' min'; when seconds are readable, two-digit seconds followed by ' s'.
10 h 41 min
